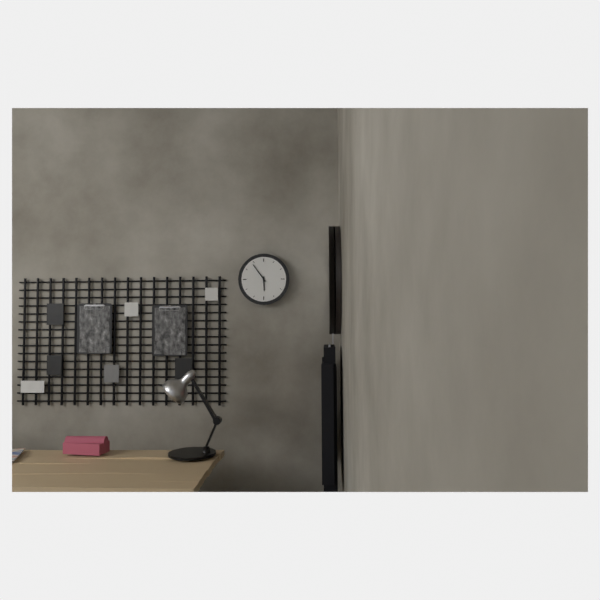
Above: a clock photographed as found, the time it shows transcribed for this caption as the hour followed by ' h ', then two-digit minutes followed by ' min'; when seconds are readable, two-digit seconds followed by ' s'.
5 h 54 min
